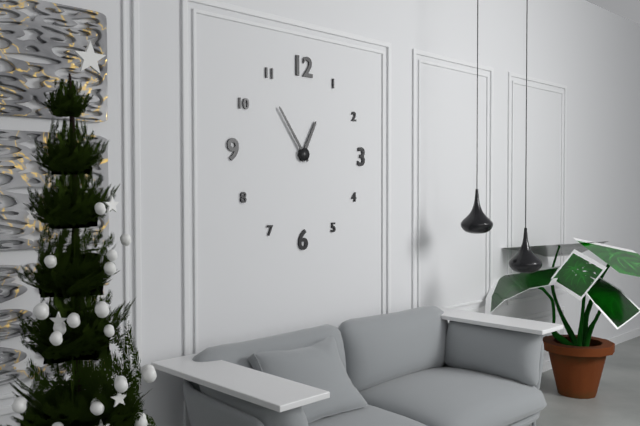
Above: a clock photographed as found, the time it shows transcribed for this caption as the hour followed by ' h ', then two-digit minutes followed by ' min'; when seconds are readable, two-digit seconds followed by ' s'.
12 h 54 min
